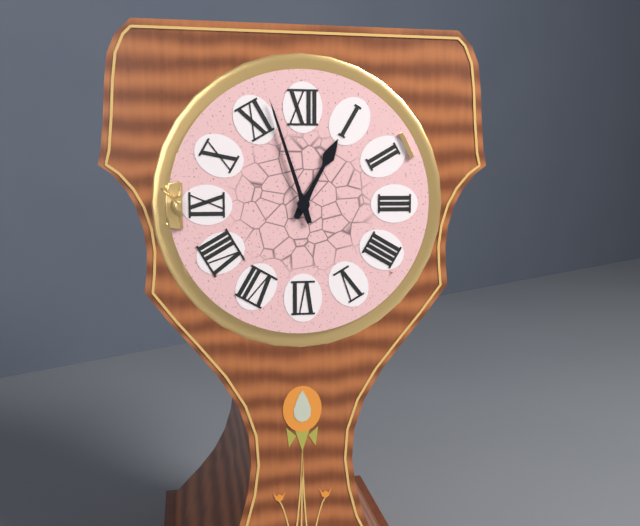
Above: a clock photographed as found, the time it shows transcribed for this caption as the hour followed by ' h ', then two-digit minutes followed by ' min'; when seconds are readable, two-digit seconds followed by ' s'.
12 h 57 min
